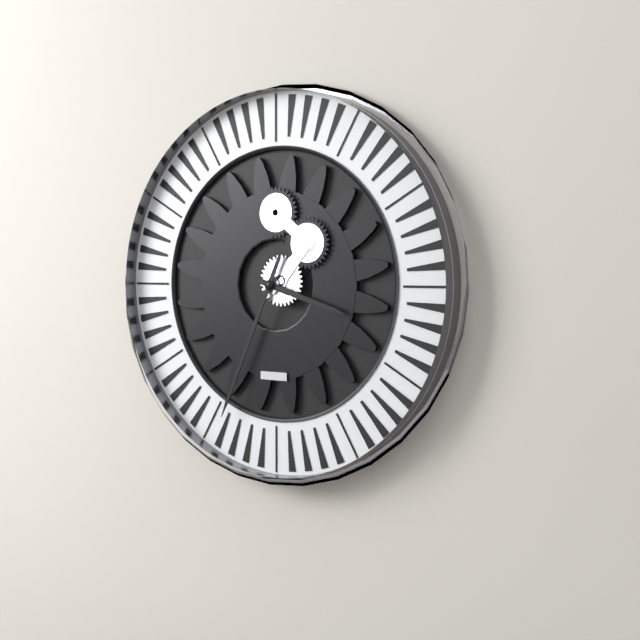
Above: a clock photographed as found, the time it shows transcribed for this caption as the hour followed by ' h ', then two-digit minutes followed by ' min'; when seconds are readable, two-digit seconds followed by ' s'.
3 h 34 min
